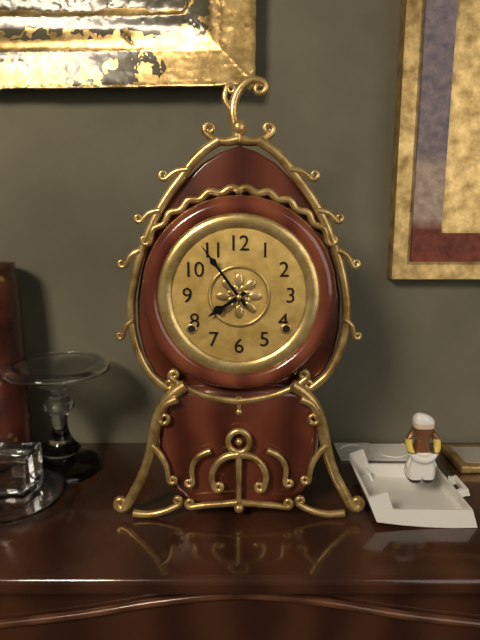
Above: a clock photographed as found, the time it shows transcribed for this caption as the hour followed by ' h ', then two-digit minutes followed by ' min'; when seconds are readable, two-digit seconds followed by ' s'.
7 h 54 min
